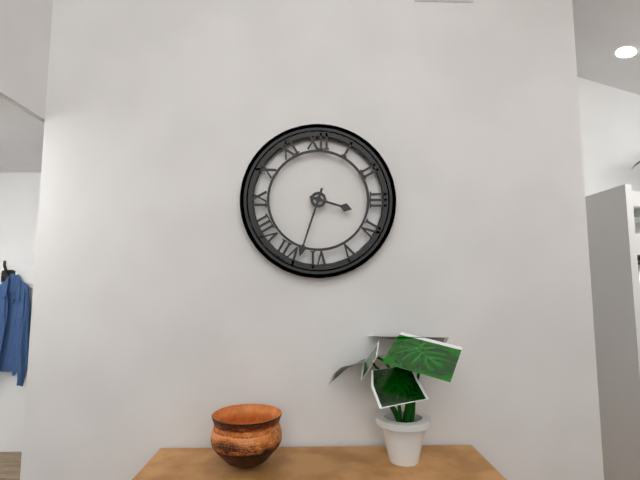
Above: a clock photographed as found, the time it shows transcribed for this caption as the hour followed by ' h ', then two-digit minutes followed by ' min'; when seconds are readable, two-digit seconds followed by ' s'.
3 h 33 min
